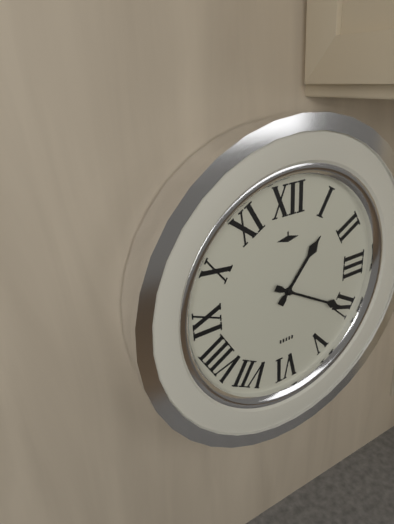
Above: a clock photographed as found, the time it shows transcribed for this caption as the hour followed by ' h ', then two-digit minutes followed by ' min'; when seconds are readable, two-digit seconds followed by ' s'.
1 h 20 min
